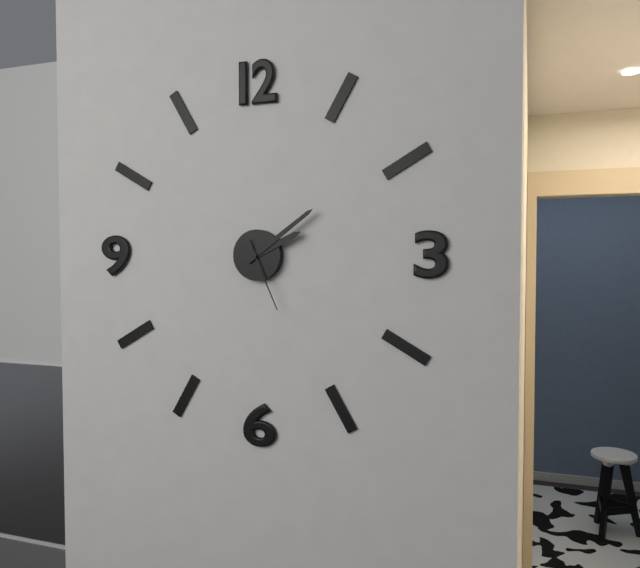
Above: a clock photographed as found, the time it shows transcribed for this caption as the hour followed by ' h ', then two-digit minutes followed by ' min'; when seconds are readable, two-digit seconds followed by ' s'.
2 h 09 min 26 s
